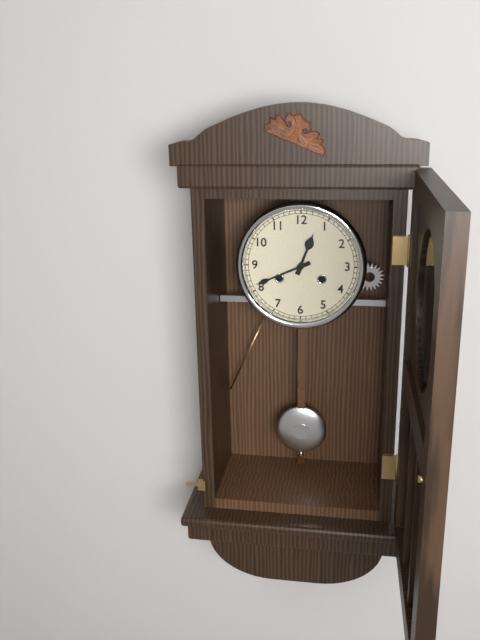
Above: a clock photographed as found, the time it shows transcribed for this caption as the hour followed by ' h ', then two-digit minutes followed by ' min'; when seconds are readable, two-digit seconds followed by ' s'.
12 h 41 min
